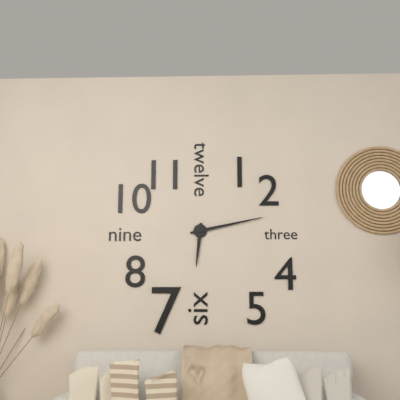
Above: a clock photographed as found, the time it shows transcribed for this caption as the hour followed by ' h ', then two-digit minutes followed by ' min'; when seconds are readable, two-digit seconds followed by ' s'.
6 h 13 min
